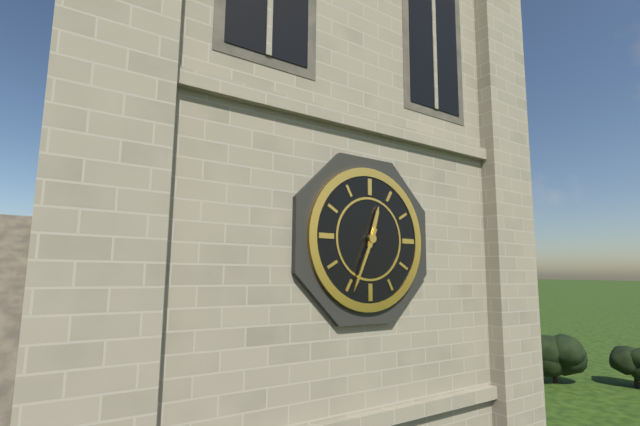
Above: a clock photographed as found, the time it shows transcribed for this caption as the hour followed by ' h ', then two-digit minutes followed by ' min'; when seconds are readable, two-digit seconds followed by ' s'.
12 h 34 min
